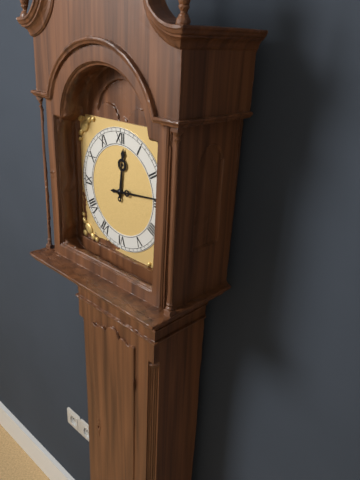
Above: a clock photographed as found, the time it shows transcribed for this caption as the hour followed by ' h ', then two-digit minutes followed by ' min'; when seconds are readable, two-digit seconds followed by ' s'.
12 h 14 min
